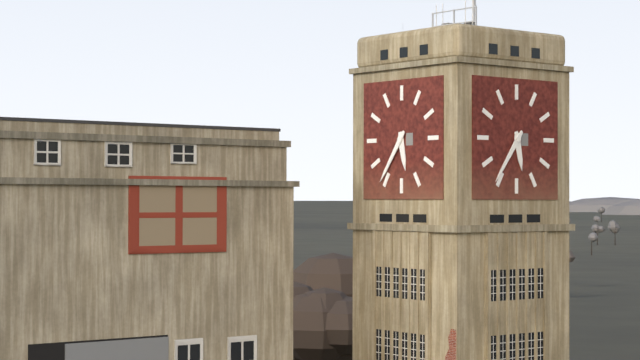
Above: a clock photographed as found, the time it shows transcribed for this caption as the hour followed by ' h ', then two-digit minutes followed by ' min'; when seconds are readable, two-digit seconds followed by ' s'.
5 h 36 min
